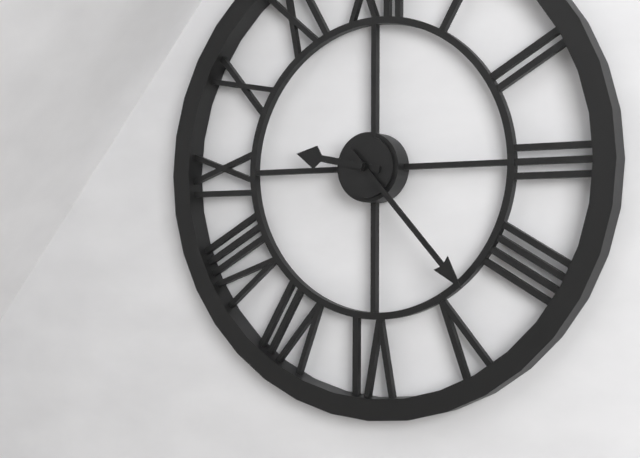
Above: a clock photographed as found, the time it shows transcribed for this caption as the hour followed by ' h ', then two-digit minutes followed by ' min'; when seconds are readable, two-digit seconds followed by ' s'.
9 h 23 min
